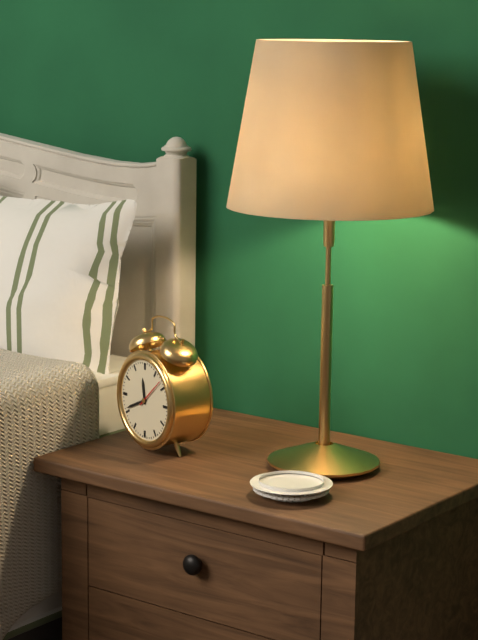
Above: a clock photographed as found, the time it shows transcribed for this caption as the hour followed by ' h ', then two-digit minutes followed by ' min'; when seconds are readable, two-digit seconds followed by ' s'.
11 h 41 min
